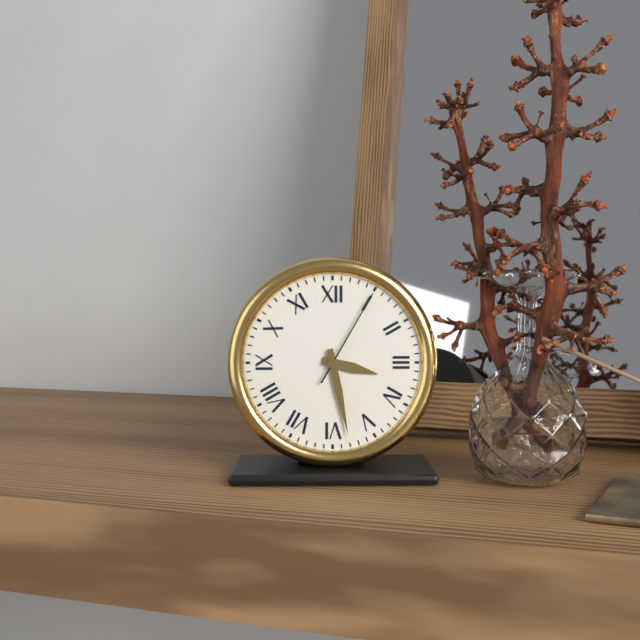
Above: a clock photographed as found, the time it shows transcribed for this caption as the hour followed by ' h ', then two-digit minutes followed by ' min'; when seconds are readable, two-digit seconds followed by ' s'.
3 h 28 min 05 s
